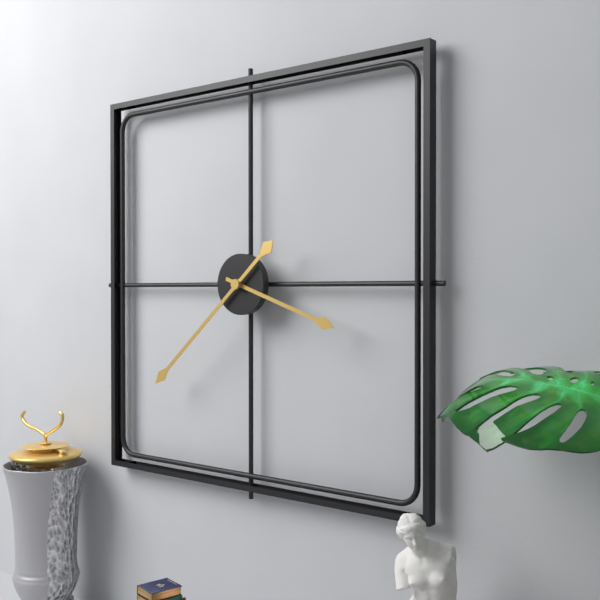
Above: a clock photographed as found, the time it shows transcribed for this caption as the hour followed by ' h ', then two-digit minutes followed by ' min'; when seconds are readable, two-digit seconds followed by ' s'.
3 h 38 min
